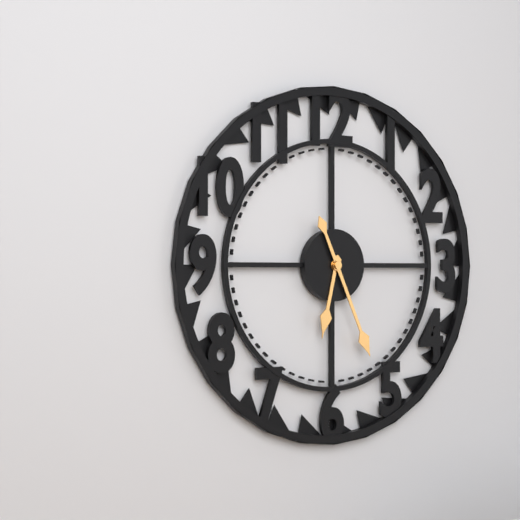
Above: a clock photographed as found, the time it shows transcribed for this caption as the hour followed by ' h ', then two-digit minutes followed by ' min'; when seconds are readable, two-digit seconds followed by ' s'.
6 h 26 min
